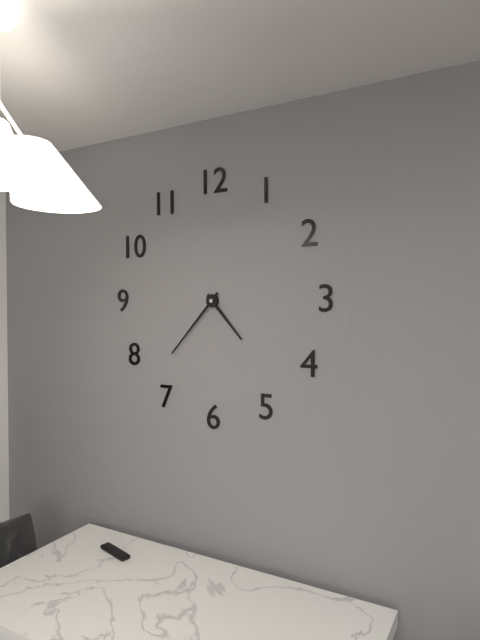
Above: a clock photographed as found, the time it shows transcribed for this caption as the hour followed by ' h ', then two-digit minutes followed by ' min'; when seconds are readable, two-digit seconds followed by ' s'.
4 h 37 min
